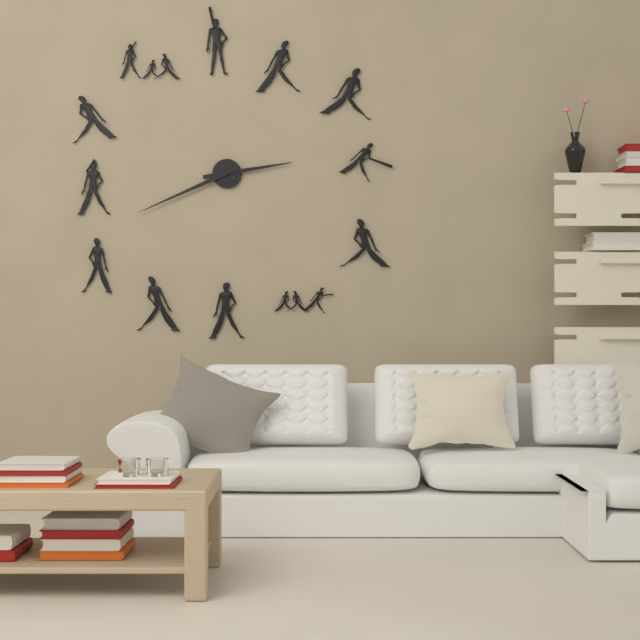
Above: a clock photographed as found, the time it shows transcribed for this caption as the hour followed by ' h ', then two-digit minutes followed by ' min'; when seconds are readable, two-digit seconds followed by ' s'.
2 h 41 min
